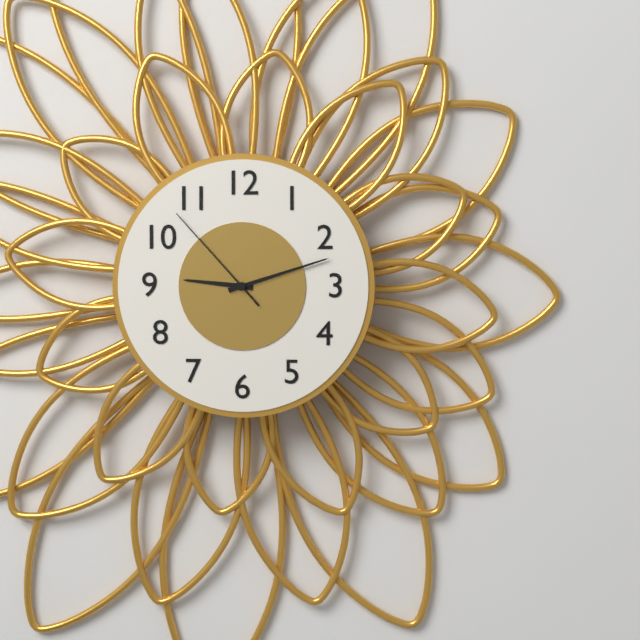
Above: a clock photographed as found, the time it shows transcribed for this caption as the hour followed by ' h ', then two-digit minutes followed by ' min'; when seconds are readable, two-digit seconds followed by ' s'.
9 h 12 min 53 s
